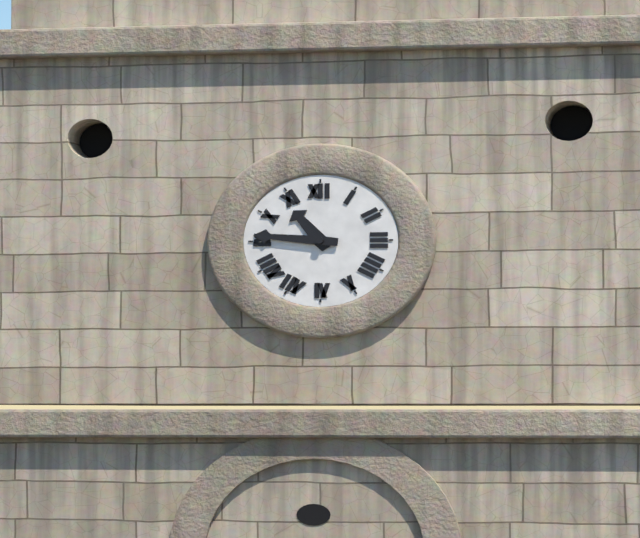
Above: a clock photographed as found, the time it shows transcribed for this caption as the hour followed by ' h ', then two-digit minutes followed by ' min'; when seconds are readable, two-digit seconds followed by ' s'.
10 h 46 min
